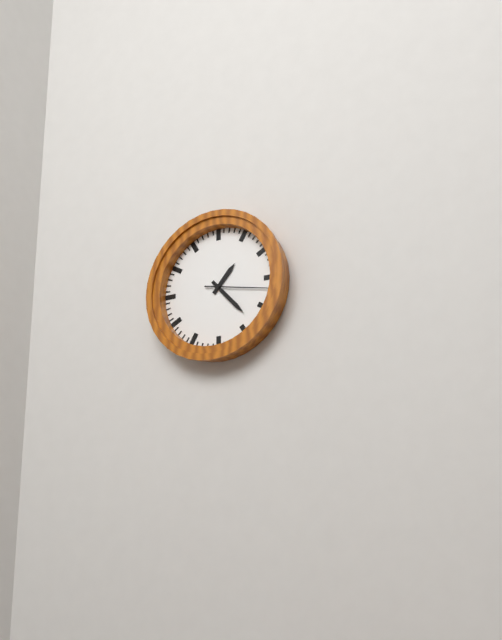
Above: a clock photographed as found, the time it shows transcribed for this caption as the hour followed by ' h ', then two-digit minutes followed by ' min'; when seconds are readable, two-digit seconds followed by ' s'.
1 h 23 min 17 s
